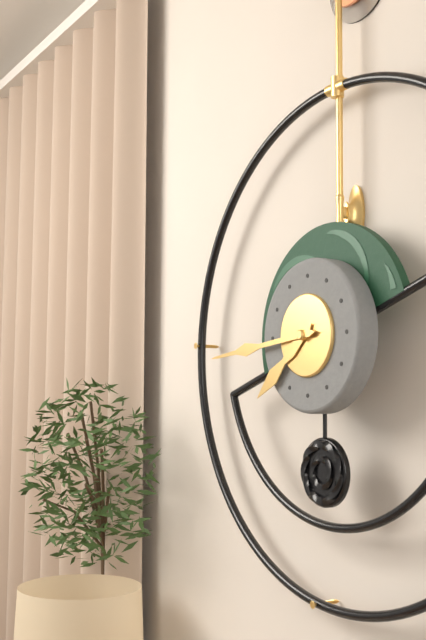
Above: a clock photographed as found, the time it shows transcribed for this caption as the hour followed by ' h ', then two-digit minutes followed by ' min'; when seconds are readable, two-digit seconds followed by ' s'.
7 h 44 min
